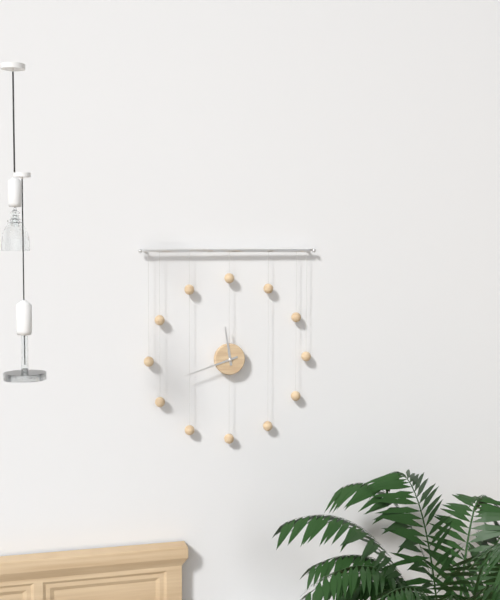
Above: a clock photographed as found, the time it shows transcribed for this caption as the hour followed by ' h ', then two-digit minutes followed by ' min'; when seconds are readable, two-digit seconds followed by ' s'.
11 h 42 min
